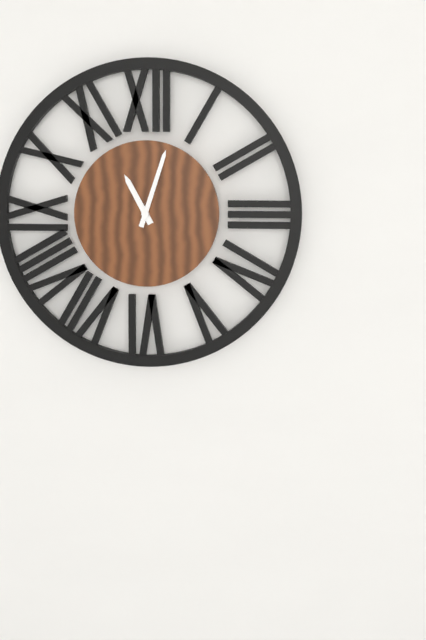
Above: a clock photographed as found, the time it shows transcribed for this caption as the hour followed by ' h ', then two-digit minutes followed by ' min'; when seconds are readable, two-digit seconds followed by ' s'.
11 h 03 min
